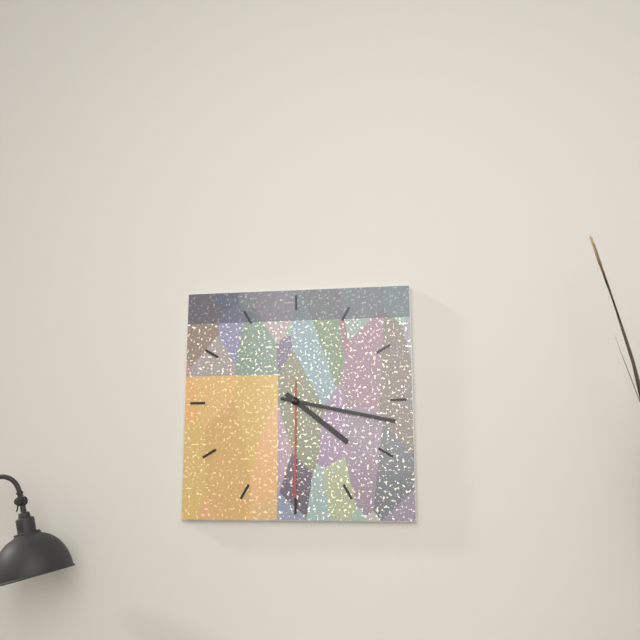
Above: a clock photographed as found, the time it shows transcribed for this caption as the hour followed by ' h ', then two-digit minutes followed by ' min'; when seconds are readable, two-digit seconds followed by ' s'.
4 h 17 min 30 s
